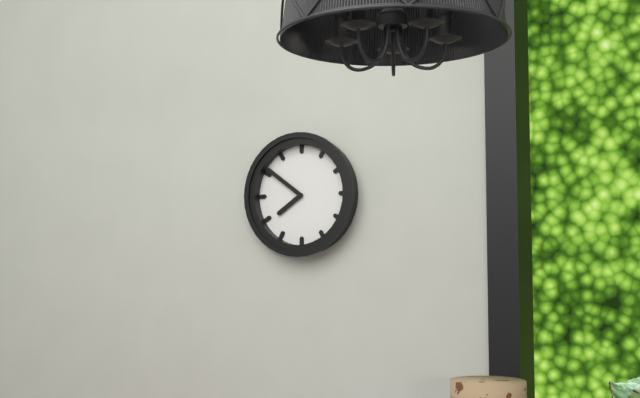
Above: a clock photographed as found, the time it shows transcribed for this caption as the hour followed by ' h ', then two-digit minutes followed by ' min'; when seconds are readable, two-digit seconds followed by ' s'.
7 h 51 min
